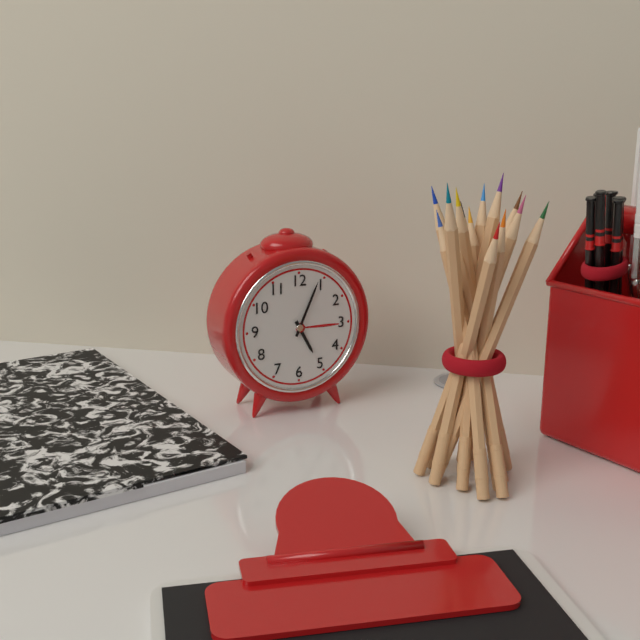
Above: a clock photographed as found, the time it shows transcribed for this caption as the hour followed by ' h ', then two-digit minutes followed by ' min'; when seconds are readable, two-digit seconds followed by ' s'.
5 h 04 min
